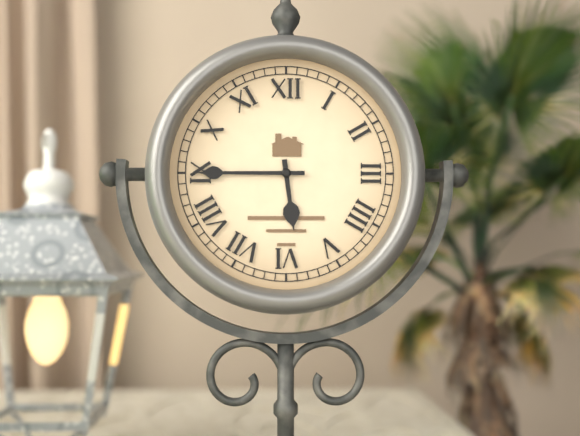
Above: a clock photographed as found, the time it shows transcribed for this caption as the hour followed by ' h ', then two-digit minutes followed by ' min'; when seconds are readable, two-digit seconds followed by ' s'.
5 h 45 min
